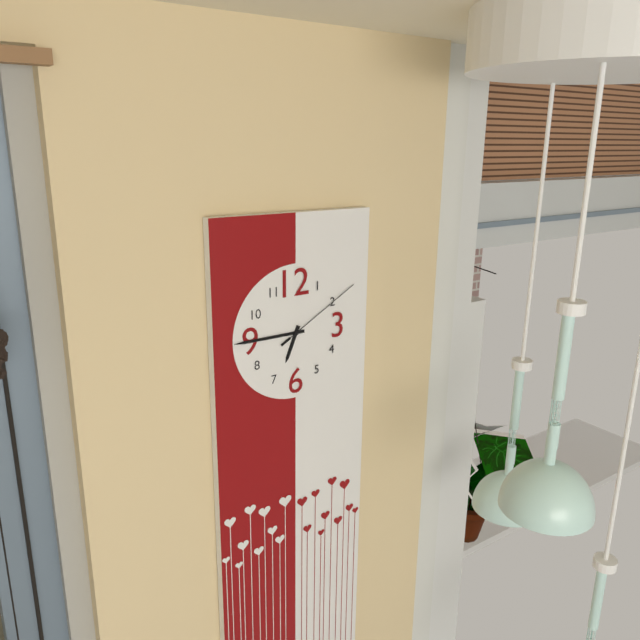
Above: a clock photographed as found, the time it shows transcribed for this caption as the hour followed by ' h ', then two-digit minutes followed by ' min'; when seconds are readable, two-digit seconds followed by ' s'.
6 h 45 min 10 s
